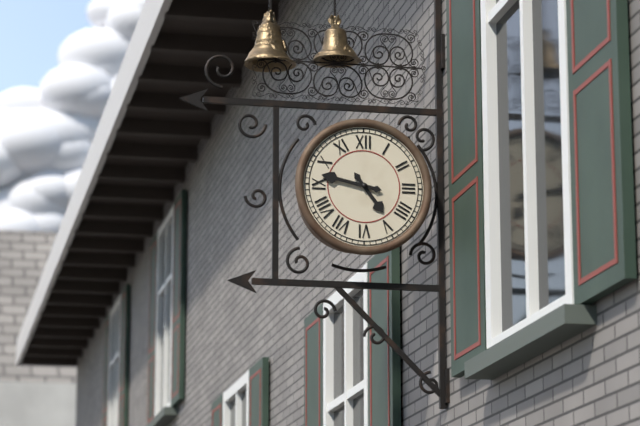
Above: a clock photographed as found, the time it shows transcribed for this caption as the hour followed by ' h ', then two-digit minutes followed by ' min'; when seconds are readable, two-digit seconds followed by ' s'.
4 h 47 min
